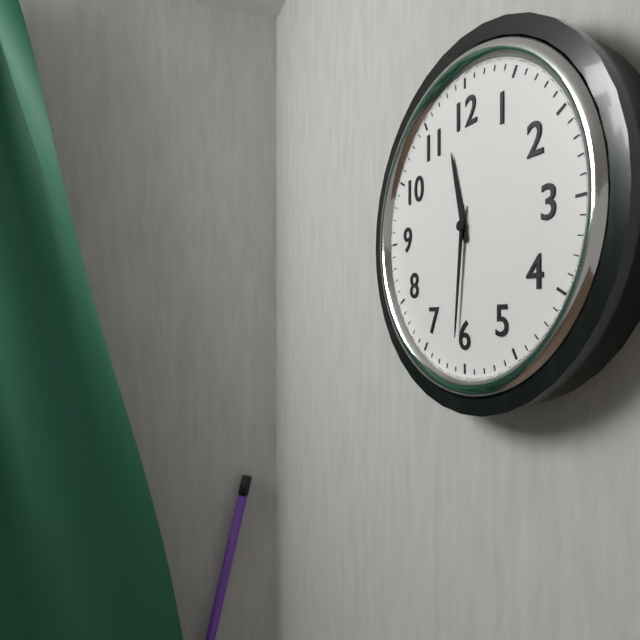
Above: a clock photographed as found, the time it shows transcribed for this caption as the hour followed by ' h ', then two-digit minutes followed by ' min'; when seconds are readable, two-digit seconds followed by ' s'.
11 h 31 min
